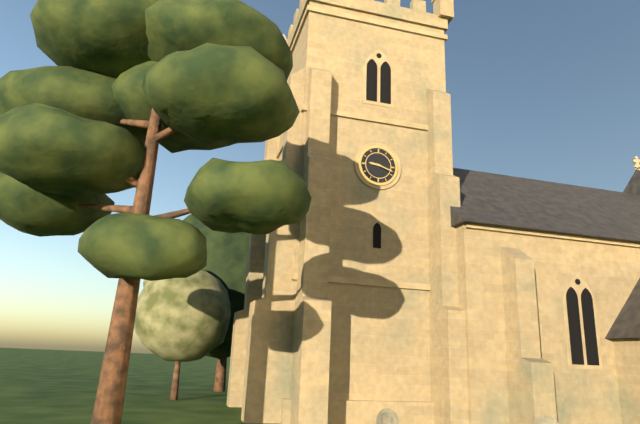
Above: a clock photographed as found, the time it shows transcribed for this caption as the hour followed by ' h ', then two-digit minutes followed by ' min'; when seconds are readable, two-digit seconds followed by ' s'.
9 h 18 min
